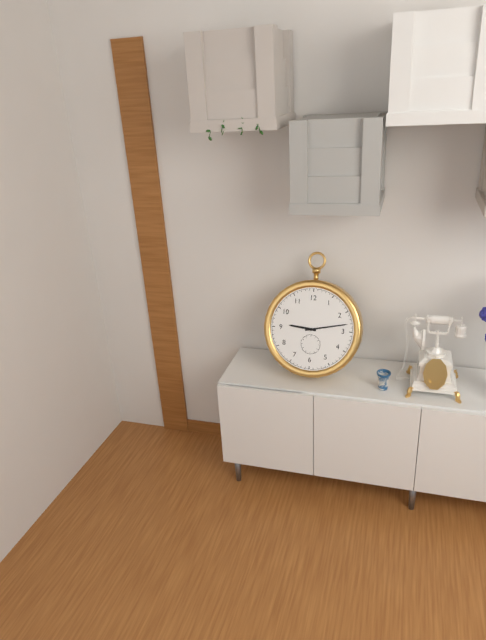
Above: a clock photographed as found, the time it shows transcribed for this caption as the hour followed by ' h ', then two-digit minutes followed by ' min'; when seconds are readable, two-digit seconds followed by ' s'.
9 h 13 min
